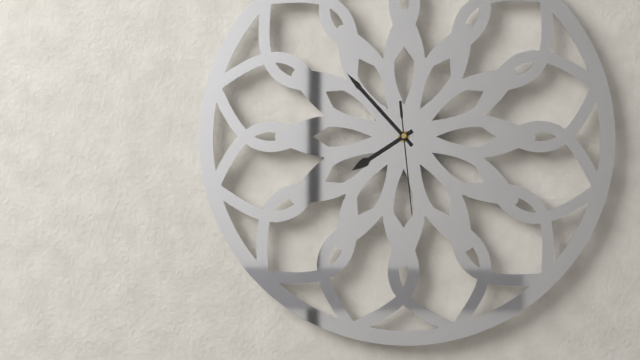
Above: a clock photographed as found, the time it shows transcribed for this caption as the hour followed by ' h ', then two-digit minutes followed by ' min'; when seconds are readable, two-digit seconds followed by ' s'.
7 h 53 min 29 s
